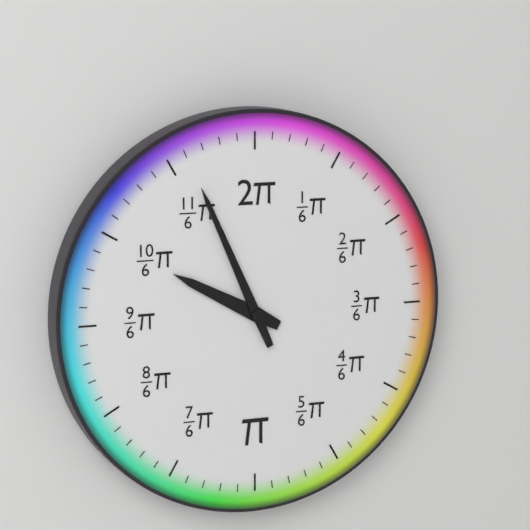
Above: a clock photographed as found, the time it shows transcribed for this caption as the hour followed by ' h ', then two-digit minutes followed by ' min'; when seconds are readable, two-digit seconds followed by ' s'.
9 h 56 min
